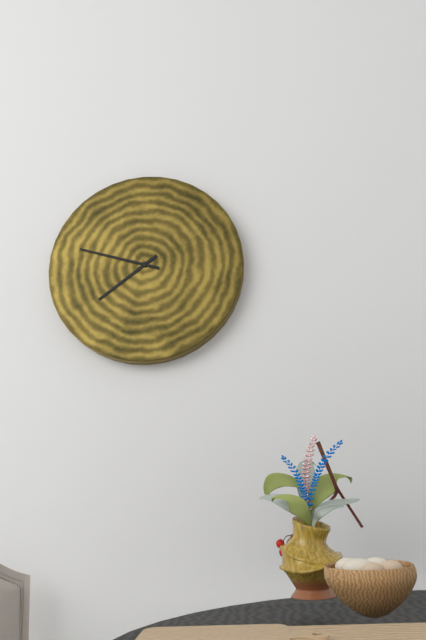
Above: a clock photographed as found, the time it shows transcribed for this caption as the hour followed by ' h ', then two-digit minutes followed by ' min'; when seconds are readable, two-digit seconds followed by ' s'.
7 h 48 min
